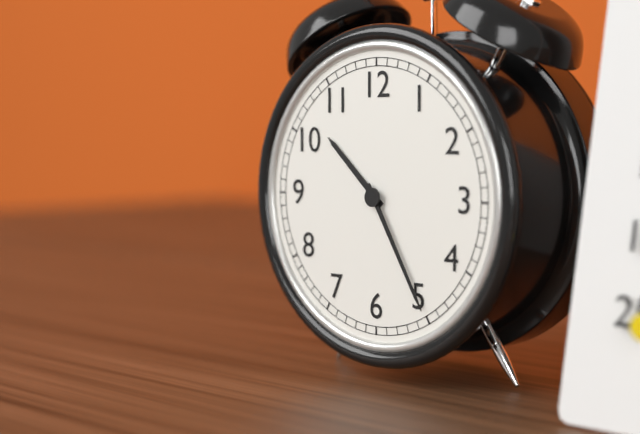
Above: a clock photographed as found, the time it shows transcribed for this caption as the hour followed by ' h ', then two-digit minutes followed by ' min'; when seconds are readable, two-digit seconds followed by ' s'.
10 h 25 min
